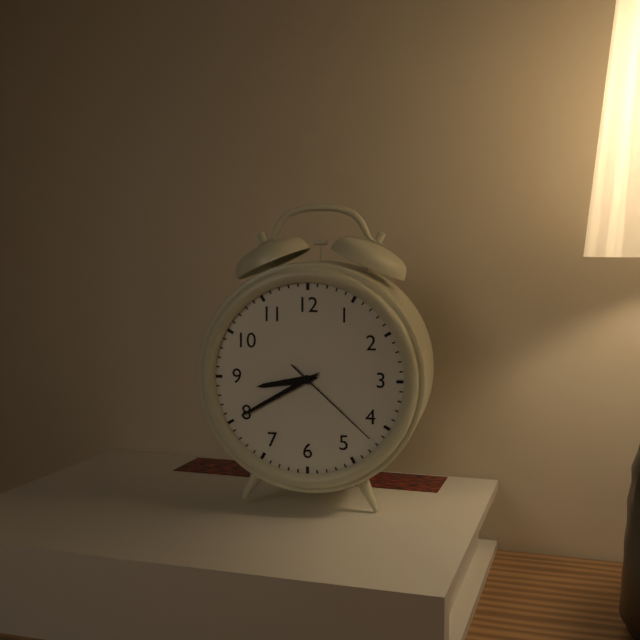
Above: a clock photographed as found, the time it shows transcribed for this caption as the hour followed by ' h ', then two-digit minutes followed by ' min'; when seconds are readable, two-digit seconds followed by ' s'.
8 h 40 min 22 s
